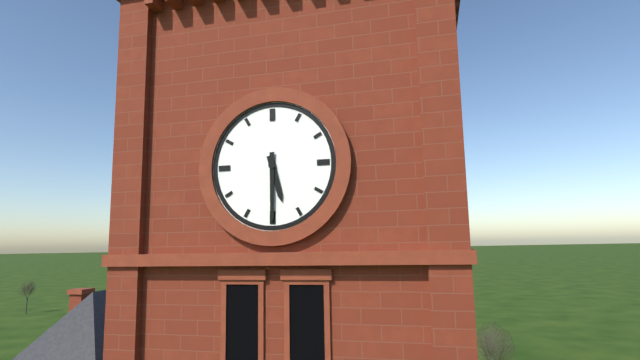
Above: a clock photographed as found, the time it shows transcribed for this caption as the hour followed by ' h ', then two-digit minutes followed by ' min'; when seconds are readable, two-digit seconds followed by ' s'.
5 h 30 min
